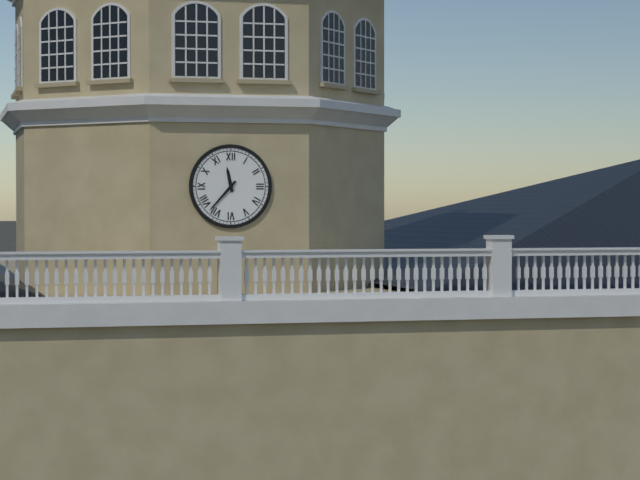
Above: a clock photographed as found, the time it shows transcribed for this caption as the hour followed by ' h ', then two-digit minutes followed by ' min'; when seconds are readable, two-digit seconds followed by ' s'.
11 h 37 min
